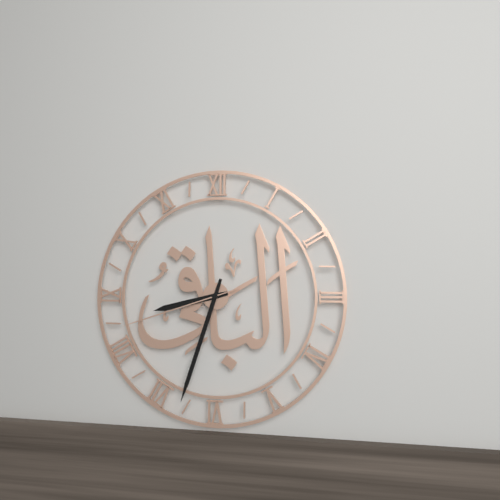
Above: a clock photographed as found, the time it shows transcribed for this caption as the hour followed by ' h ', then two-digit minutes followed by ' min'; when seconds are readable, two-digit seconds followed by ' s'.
8 h 33 min 42 s
